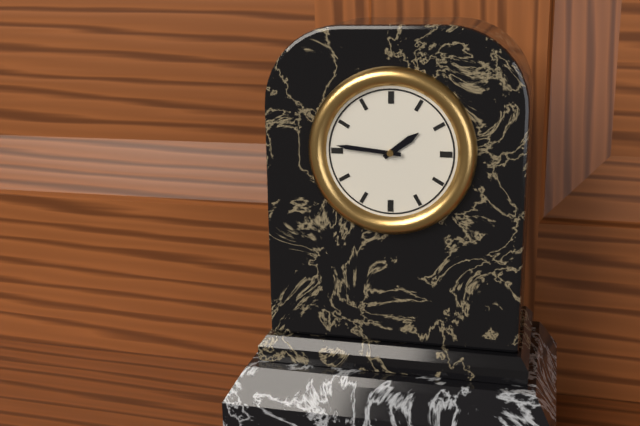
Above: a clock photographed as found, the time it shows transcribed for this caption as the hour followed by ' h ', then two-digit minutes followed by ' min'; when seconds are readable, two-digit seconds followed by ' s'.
1 h 46 min
